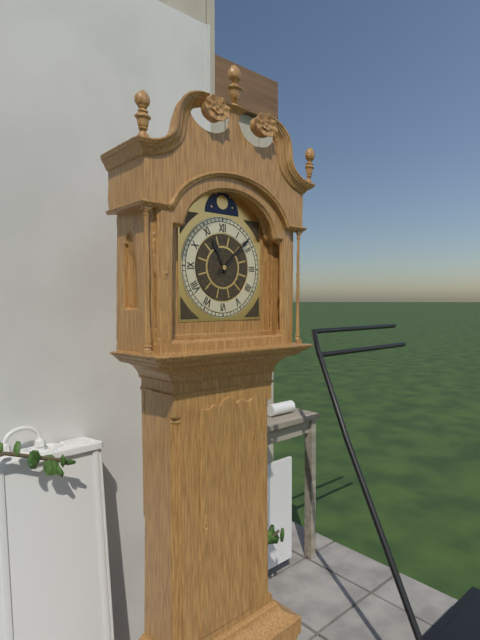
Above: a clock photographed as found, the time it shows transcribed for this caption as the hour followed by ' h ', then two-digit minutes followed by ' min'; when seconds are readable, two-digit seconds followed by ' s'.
11 h 08 min
